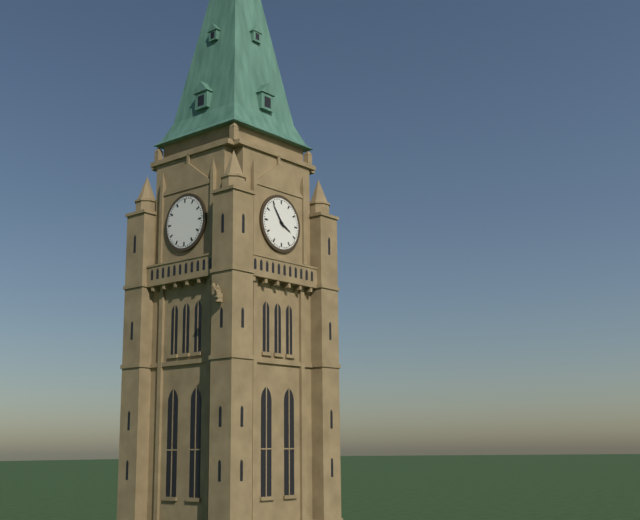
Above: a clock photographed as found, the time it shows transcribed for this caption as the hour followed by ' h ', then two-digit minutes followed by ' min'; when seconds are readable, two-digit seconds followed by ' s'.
3 h 54 min
